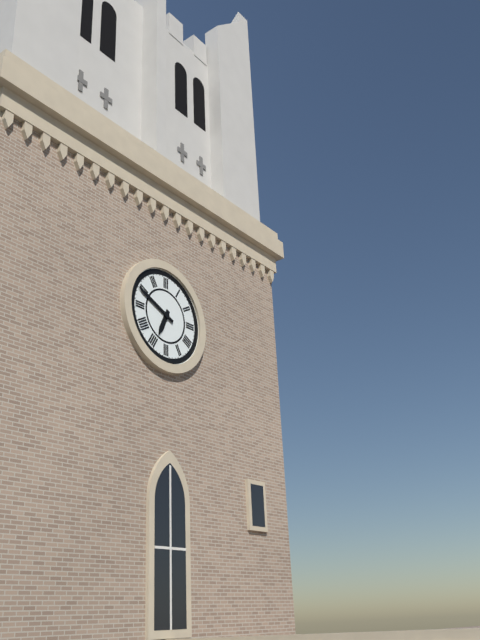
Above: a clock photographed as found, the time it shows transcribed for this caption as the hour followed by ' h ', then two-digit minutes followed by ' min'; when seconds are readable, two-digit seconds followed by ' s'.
6 h 49 min
